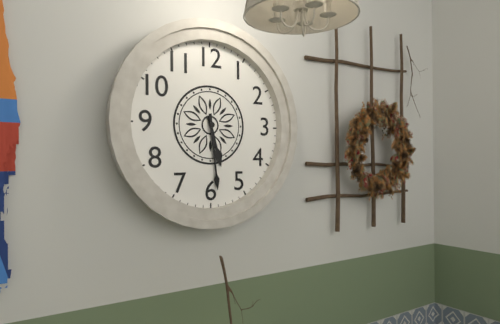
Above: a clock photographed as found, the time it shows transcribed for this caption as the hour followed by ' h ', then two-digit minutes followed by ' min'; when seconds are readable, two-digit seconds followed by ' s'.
5 h 29 min
